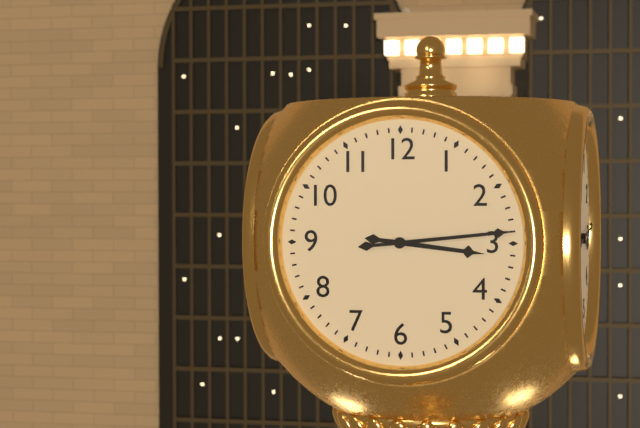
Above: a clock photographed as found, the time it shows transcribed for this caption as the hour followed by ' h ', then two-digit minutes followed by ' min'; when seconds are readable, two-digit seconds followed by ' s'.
3 h 14 min
